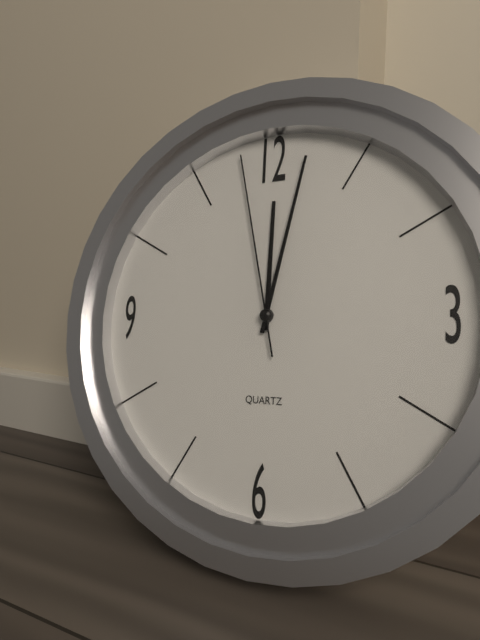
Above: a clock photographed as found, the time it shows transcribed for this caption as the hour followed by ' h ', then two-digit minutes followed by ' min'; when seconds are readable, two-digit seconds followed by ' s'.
12 h 02 min 58 s
